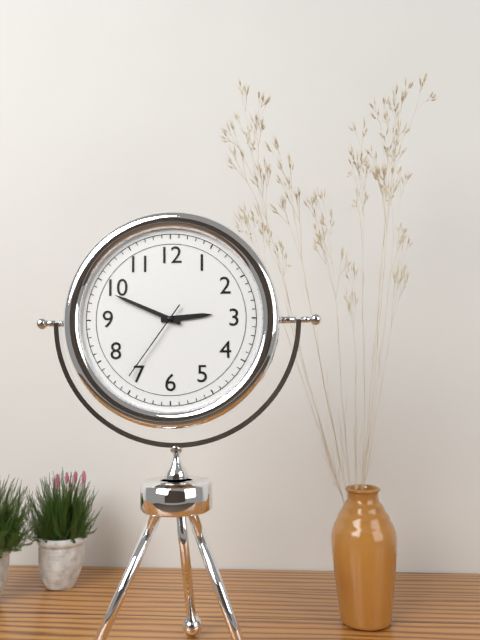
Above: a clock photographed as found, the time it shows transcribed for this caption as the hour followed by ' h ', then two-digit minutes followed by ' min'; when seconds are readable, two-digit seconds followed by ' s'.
2 h 49 min 36 s
